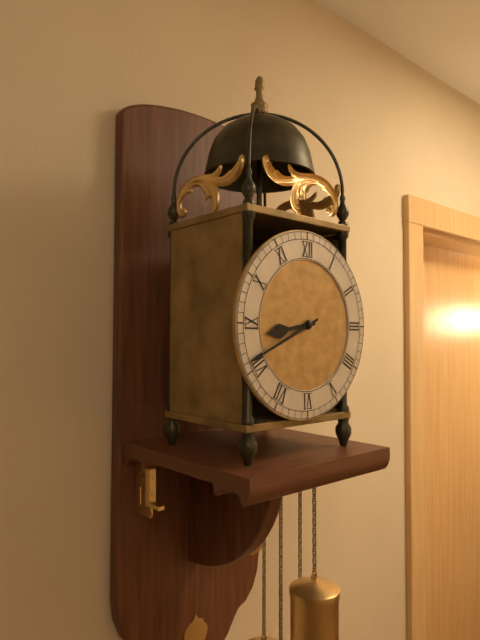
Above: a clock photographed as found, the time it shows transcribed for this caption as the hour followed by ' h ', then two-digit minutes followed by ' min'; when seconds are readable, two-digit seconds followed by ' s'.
8 h 41 min
